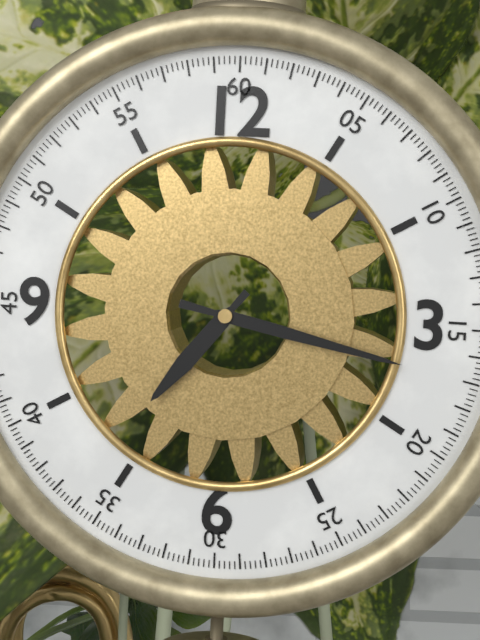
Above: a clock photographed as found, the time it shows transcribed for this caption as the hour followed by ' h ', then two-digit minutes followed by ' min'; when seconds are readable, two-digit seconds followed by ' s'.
7 h 17 min
